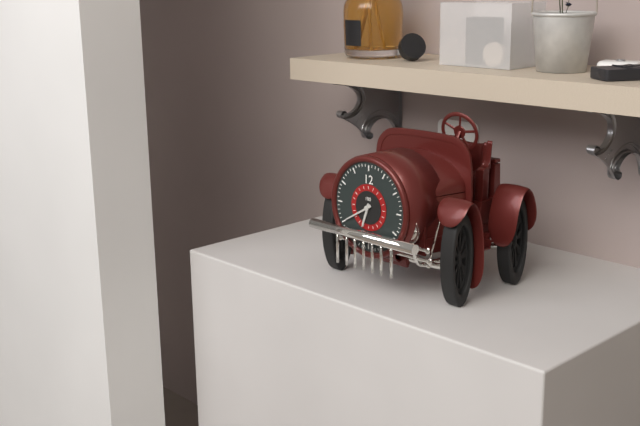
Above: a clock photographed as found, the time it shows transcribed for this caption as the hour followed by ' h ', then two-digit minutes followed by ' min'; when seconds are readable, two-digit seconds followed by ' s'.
6 h 40 min
